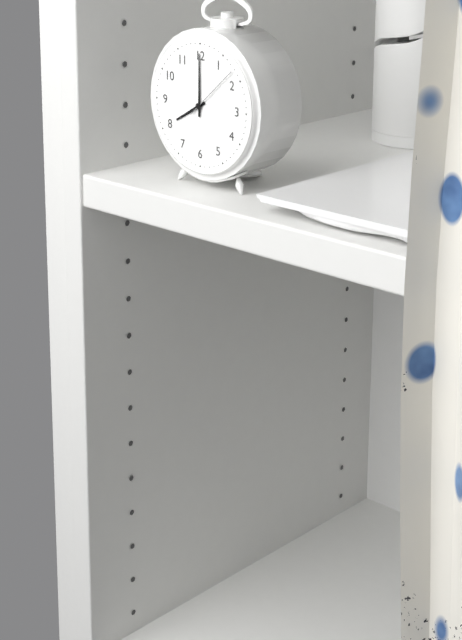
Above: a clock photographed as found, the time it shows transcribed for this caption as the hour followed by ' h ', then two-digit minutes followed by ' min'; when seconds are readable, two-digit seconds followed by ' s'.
8 h 00 min 08 s
